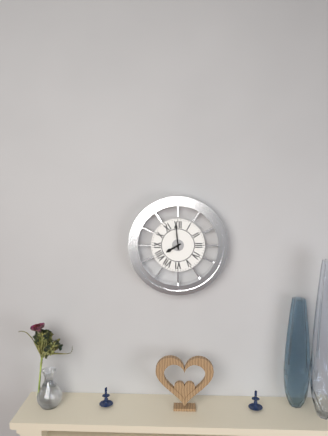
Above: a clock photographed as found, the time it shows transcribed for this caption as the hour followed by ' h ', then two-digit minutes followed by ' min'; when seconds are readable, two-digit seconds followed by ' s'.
7 h 59 min
